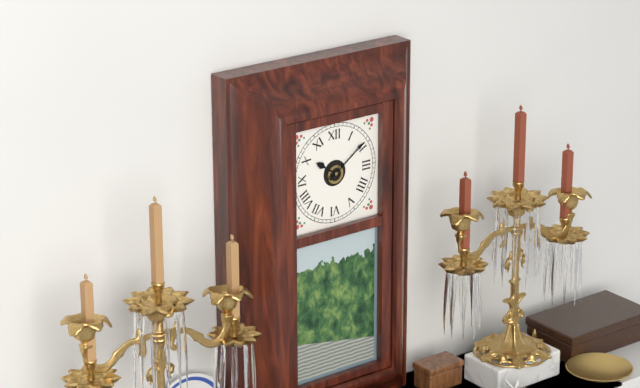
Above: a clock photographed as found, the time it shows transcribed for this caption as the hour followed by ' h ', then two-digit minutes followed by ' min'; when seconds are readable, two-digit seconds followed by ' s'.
10 h 09 min
